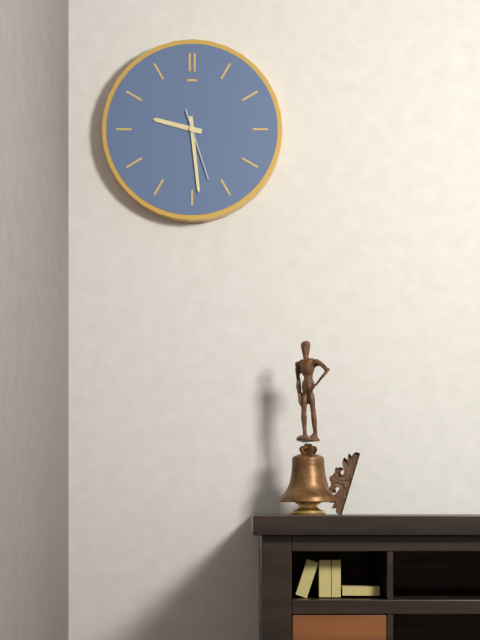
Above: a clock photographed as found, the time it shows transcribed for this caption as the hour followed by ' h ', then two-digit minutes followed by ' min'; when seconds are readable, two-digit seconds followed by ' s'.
9 h 29 min 27 s
